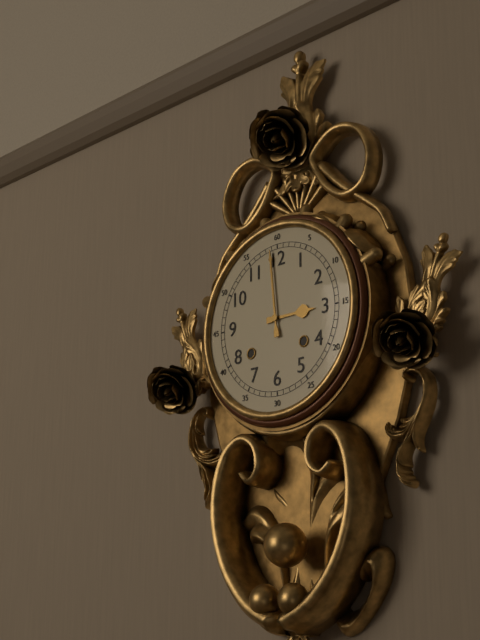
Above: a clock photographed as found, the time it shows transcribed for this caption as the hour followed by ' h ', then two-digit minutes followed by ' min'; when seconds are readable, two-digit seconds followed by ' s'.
2 h 59 min
